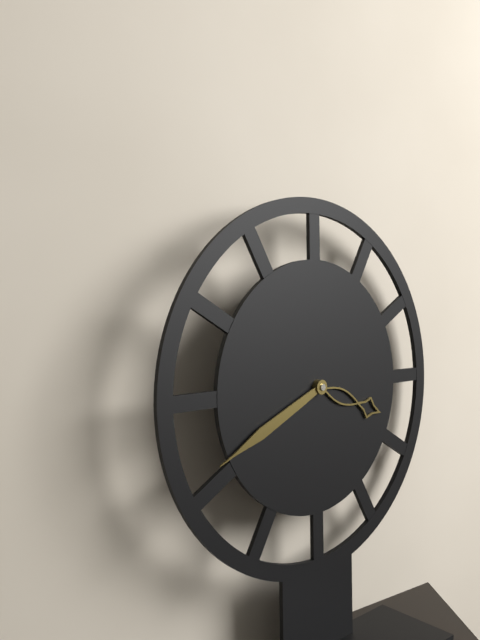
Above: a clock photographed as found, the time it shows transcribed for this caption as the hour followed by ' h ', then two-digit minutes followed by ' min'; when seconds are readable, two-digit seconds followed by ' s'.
3 h 41 min
